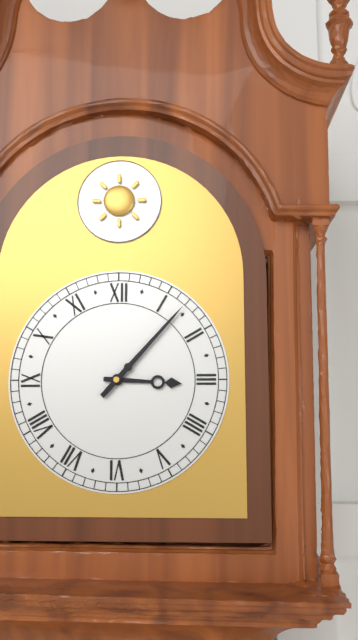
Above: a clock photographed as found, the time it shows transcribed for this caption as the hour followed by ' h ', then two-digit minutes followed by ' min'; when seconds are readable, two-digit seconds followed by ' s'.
3 h 07 min
